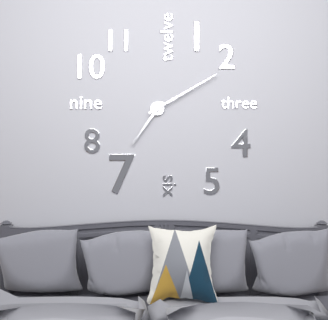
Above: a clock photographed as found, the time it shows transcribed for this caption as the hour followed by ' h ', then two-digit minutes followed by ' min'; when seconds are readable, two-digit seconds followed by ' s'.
7 h 10 min
